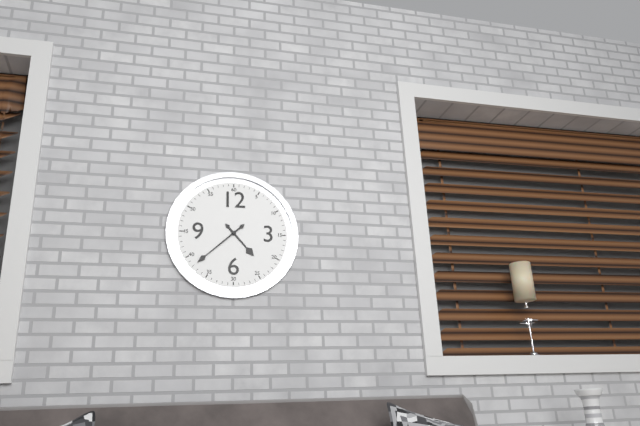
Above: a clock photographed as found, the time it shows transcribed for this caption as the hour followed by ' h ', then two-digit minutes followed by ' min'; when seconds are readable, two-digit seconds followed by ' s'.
4 h 38 min
